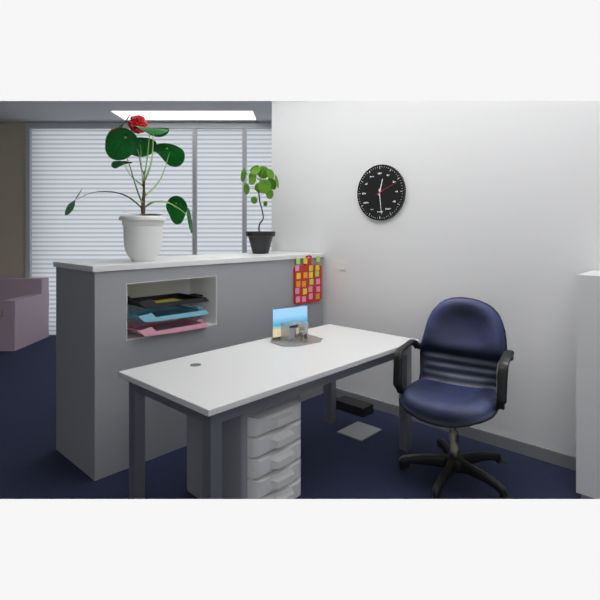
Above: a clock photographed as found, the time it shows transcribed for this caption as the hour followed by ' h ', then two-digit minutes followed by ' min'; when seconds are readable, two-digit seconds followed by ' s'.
12 h 29 min
